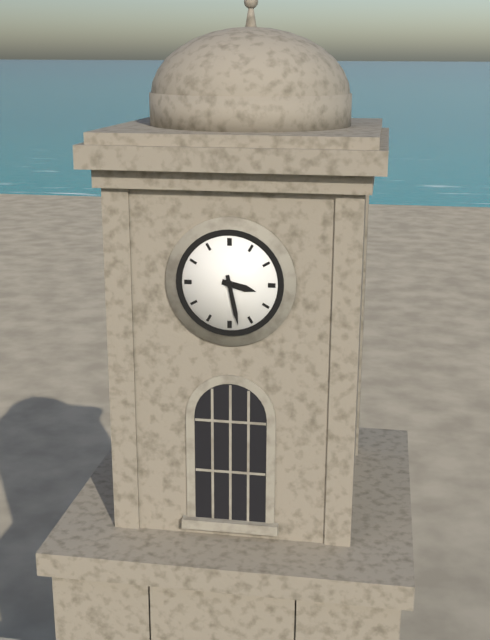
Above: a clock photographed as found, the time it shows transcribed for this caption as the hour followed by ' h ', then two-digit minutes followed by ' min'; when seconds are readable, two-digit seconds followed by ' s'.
3 h 28 min
